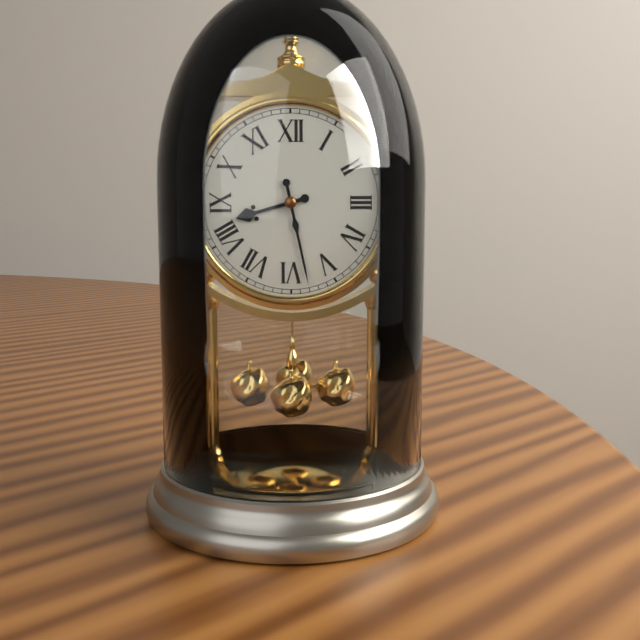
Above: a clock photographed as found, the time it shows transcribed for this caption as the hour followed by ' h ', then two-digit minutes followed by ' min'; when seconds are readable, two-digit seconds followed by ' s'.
8 h 28 min
